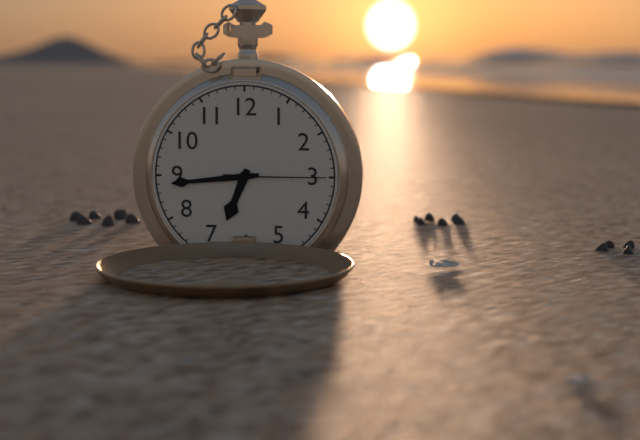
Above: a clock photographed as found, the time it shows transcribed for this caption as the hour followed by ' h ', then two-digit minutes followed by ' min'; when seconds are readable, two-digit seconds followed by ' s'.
6 h 44 min 15 s
